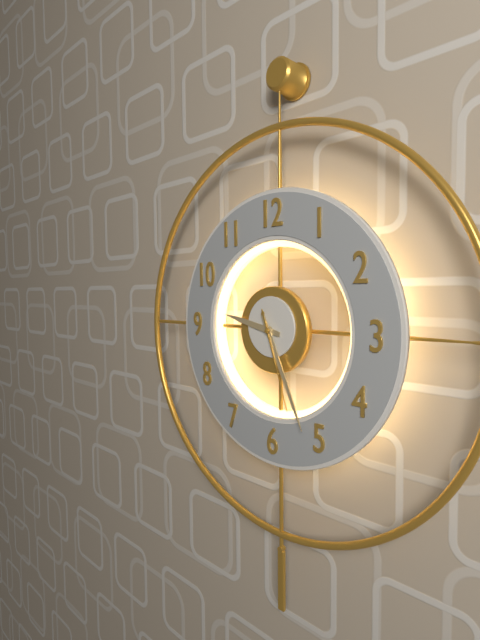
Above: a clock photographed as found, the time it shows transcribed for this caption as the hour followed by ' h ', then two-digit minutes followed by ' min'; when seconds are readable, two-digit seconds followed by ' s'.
9 h 26 min 27 s
